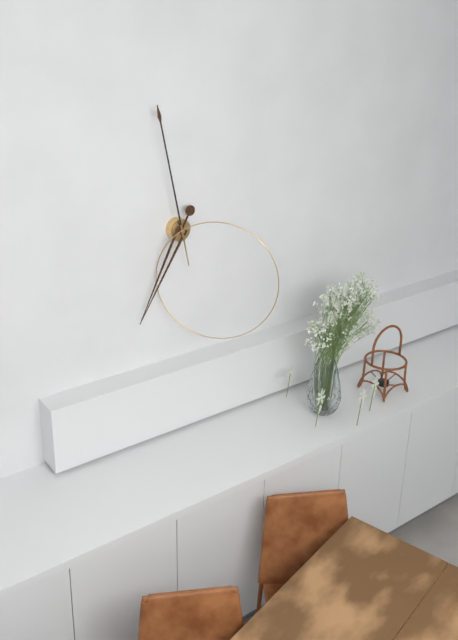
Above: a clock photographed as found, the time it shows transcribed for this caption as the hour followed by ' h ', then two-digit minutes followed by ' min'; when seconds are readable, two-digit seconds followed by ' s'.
6 h 58 min
